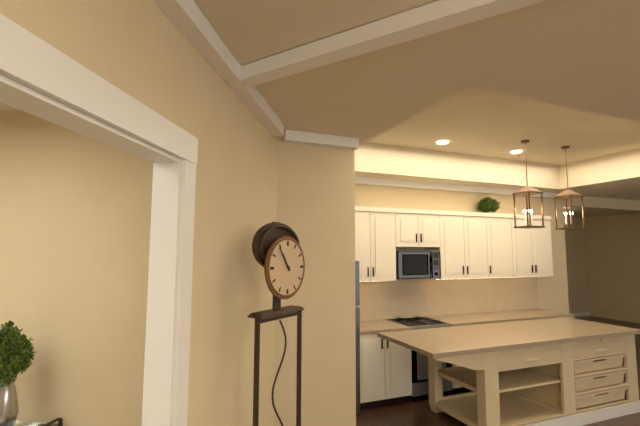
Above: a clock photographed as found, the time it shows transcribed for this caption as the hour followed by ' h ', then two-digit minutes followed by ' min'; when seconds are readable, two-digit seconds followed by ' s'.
10 h 54 min
